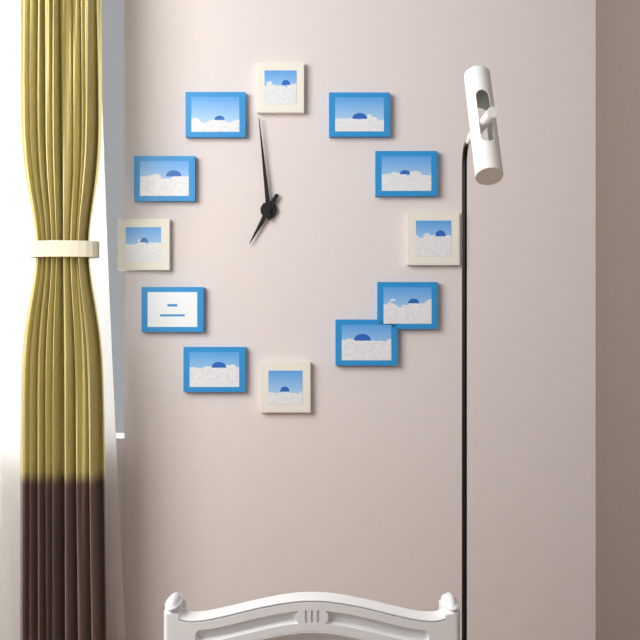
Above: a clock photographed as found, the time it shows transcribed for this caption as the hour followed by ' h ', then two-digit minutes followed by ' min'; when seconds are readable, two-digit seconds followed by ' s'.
6 h 59 min
